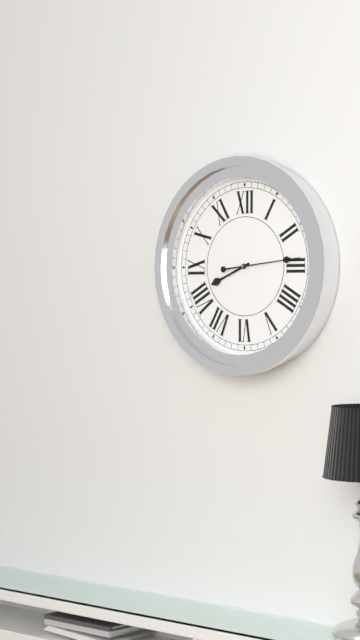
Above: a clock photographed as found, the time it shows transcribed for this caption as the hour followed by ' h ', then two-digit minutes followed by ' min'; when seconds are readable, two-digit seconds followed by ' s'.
8 h 14 min
